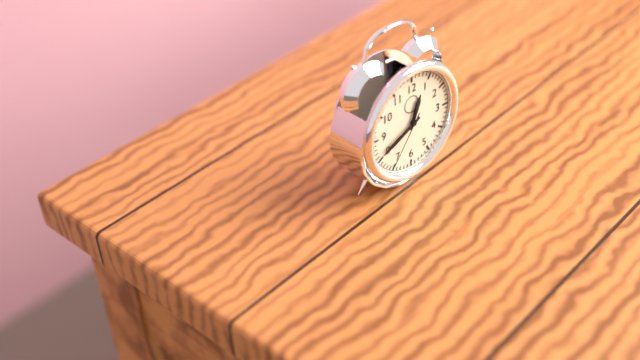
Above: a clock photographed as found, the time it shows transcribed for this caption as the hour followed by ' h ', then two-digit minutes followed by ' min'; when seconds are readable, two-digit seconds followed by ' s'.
12 h 41 min 36 s
